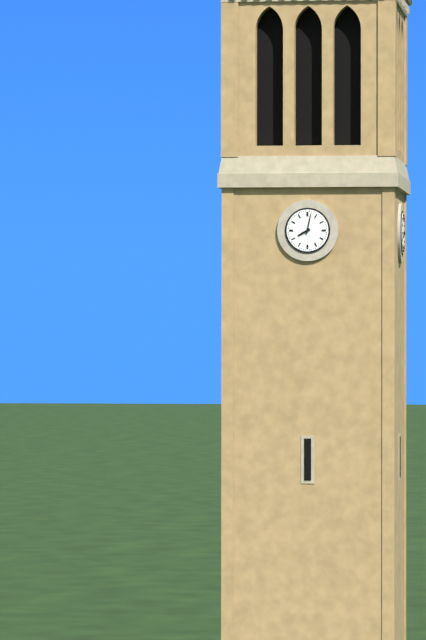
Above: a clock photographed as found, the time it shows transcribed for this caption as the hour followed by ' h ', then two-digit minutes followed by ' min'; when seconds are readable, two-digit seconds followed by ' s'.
8 h 02 min
